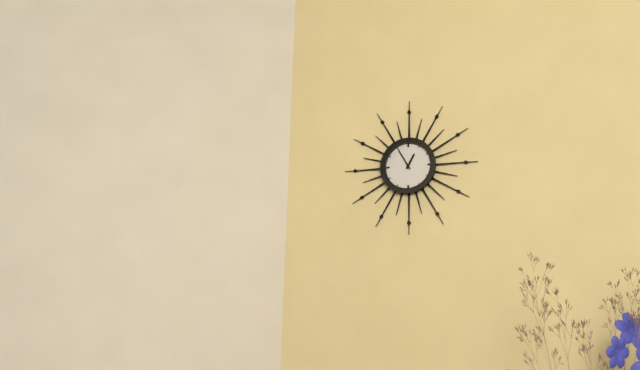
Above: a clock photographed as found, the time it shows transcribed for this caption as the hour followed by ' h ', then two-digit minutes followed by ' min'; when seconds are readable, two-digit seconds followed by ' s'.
12 h 55 min
